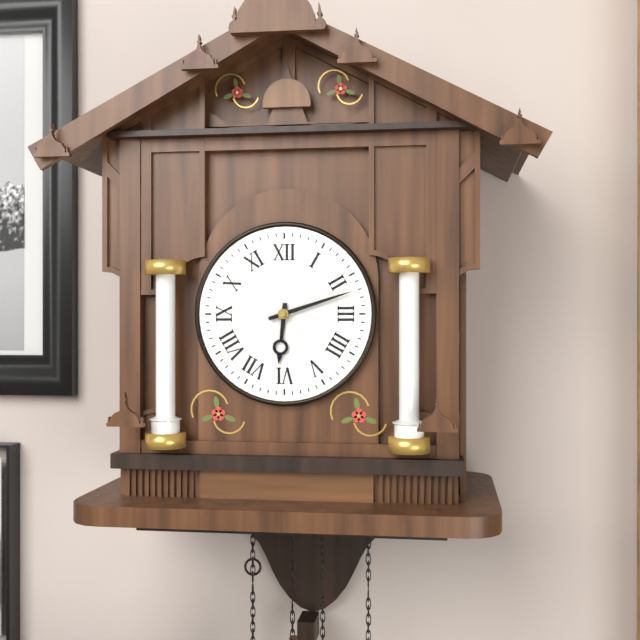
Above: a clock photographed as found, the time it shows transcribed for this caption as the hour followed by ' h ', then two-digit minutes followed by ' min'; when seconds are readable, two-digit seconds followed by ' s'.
6 h 12 min
